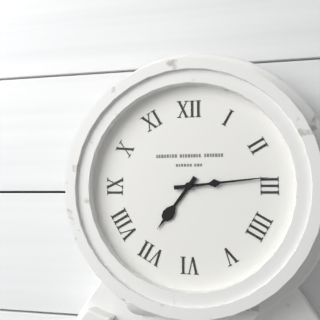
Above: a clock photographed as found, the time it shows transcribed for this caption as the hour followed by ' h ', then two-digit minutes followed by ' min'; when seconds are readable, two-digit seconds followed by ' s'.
7 h 14 min
